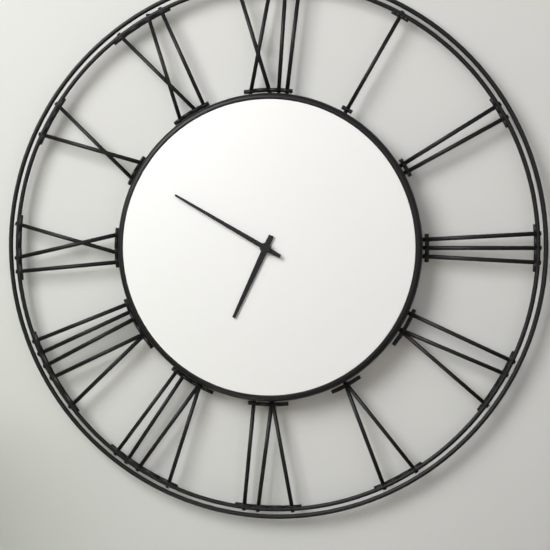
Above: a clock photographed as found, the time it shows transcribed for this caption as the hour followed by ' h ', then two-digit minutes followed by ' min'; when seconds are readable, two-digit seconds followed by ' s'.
6 h 50 min
